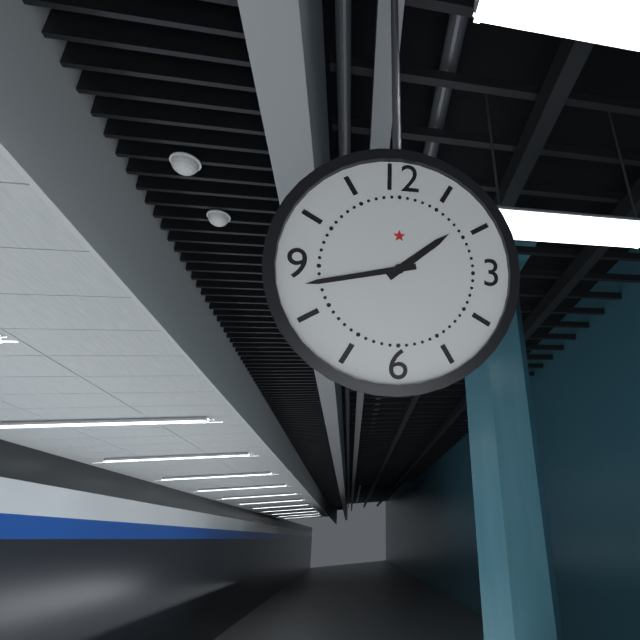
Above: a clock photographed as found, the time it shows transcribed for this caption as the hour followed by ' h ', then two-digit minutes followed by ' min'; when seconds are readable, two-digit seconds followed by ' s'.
1 h 43 min
